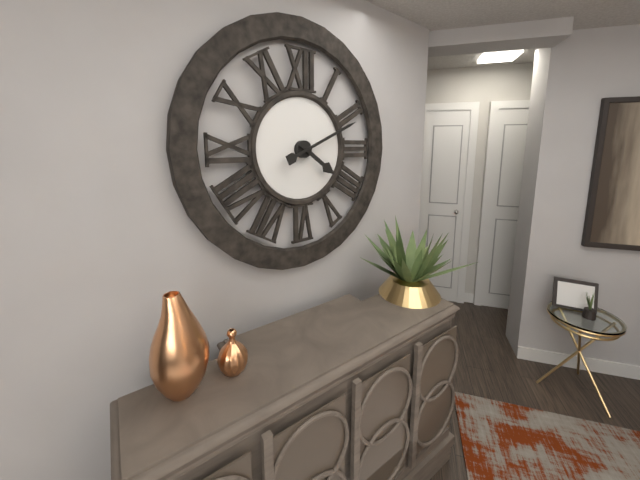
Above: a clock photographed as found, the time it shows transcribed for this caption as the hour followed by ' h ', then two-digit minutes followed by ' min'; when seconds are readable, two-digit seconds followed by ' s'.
4 h 11 min
